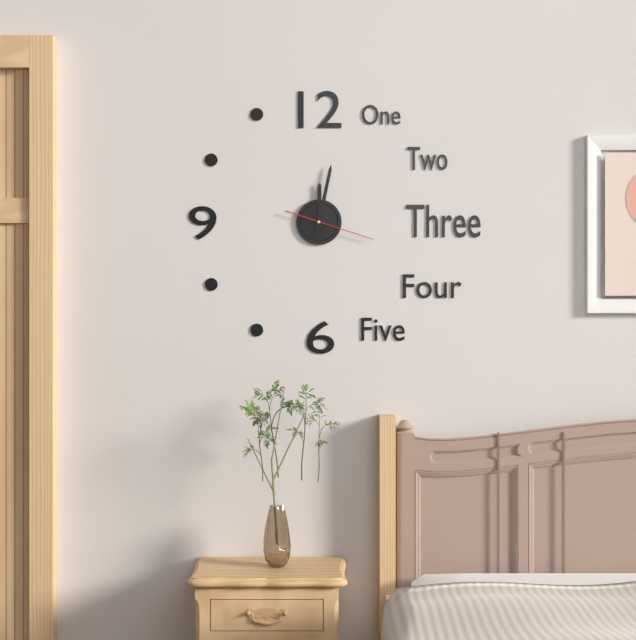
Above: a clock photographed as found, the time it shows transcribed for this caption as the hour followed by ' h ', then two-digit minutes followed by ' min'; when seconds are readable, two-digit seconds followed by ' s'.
12 h 02 min 18 s
